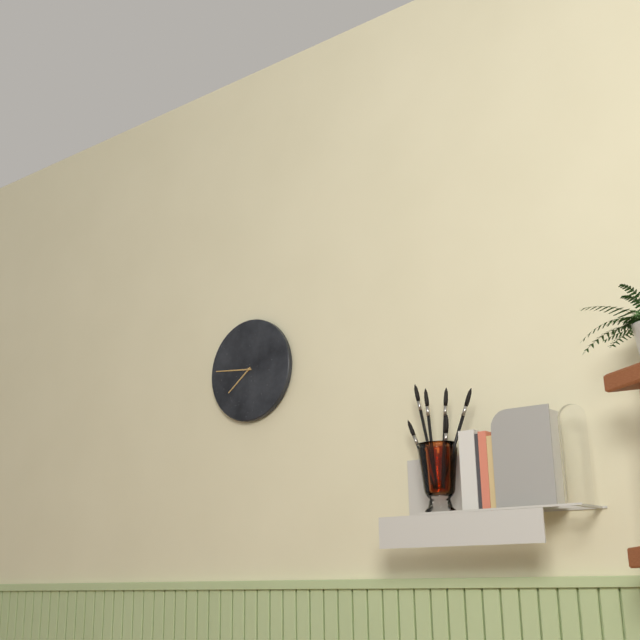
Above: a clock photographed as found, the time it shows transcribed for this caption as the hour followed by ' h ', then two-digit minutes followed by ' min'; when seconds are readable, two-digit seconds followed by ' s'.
7 h 46 min
